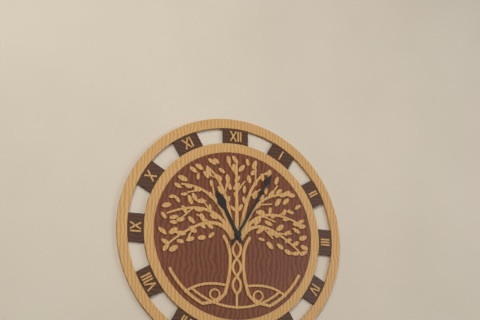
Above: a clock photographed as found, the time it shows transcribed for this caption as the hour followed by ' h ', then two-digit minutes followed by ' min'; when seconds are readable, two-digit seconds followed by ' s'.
11 h 05 min
